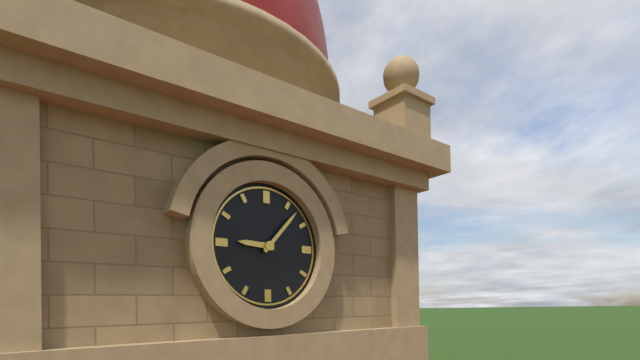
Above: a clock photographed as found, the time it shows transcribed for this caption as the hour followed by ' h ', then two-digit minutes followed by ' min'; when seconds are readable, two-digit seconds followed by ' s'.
9 h 07 min
